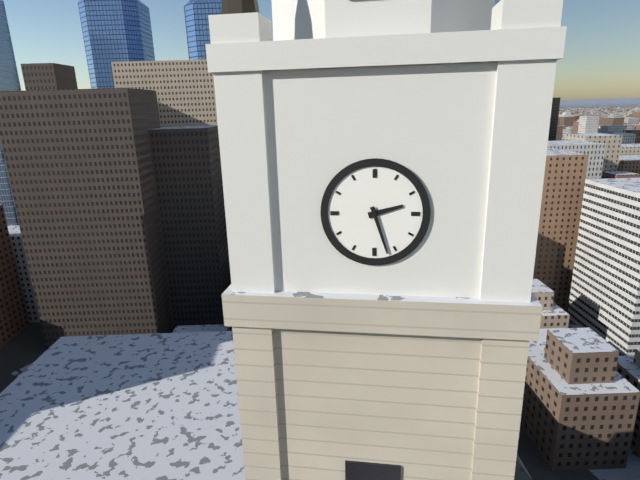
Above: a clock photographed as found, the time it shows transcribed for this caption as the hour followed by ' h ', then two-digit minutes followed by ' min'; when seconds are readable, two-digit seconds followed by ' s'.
2 h 27 min
